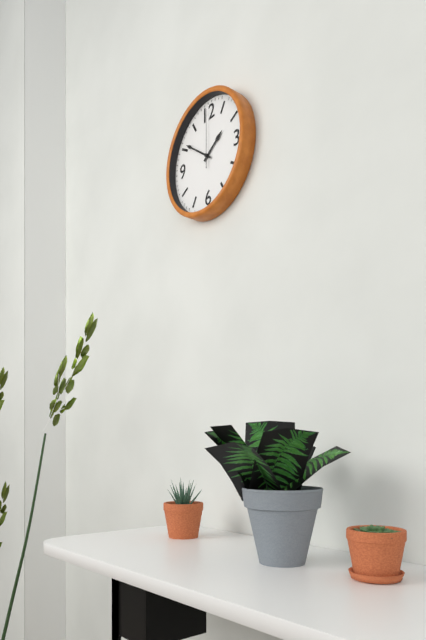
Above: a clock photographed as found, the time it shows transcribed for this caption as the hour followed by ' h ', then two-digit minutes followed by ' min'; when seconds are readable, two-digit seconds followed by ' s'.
1 h 51 min 00 s
